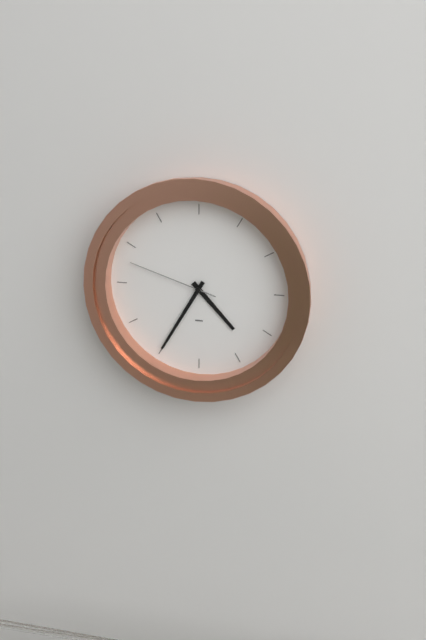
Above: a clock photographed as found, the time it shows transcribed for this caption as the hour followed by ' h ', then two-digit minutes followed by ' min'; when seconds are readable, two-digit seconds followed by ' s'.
4 h 35 min 48 s
